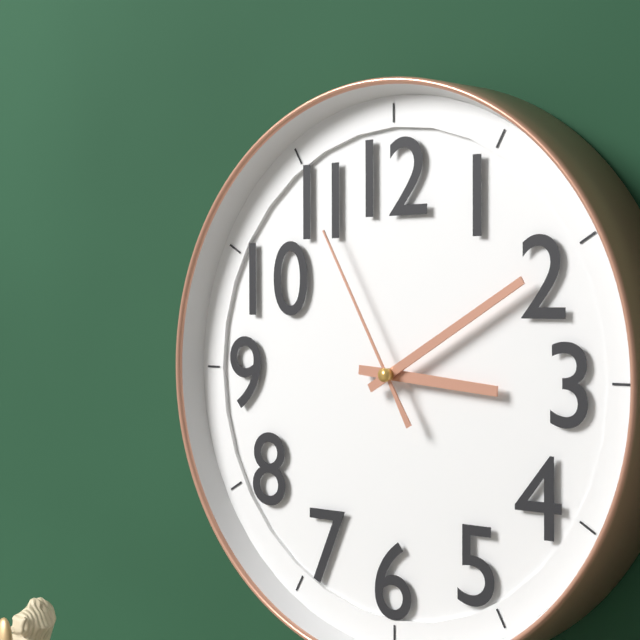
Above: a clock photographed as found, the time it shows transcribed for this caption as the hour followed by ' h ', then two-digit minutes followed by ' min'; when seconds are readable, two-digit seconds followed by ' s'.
3 h 10 min 55 s
